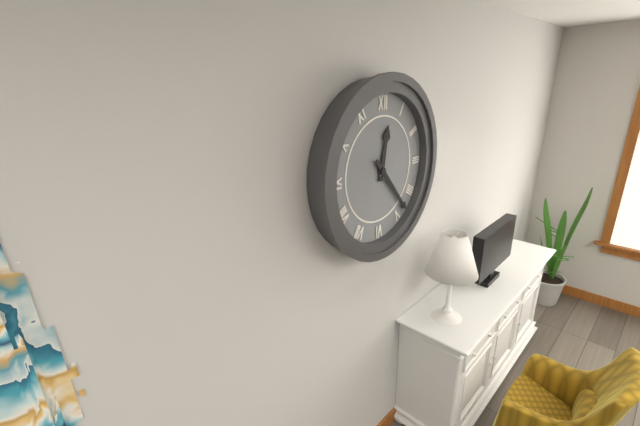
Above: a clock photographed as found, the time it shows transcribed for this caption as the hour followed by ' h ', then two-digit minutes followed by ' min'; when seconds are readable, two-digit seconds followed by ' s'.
12 h 23 min
